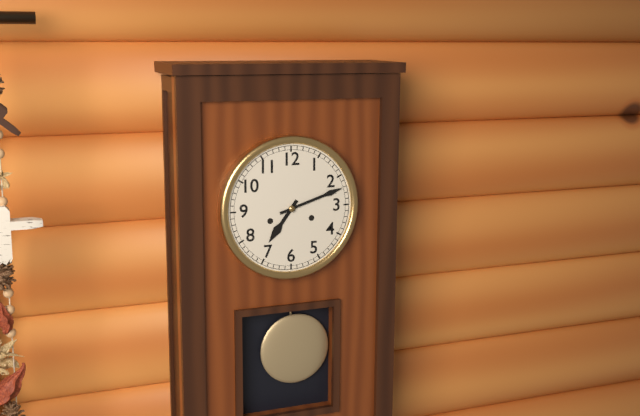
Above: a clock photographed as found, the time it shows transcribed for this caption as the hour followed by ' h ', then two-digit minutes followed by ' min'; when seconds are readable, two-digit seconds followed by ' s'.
7 h 12 min
